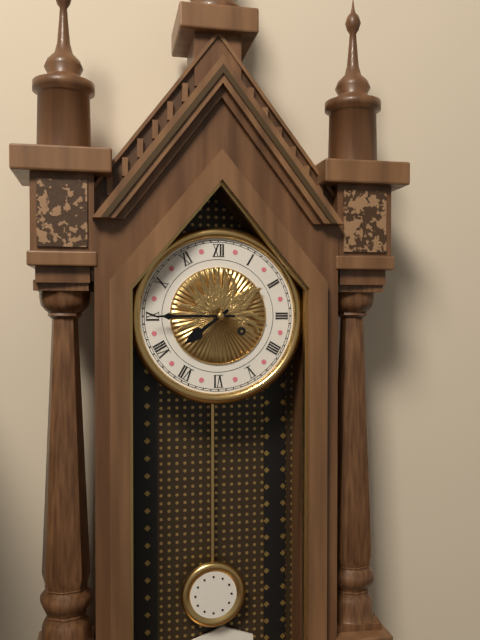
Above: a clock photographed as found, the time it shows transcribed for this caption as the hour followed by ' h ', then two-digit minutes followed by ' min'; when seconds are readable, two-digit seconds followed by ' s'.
7 h 45 min
